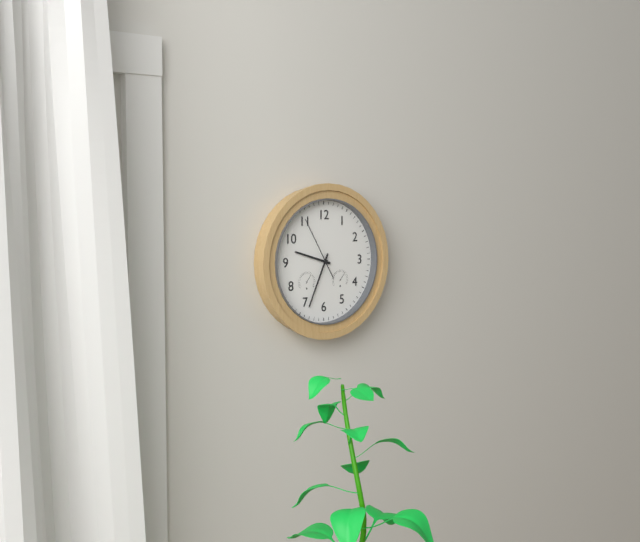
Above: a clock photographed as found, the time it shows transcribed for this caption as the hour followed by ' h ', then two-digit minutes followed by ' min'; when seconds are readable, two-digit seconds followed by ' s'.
9 h 34 min 55 s
